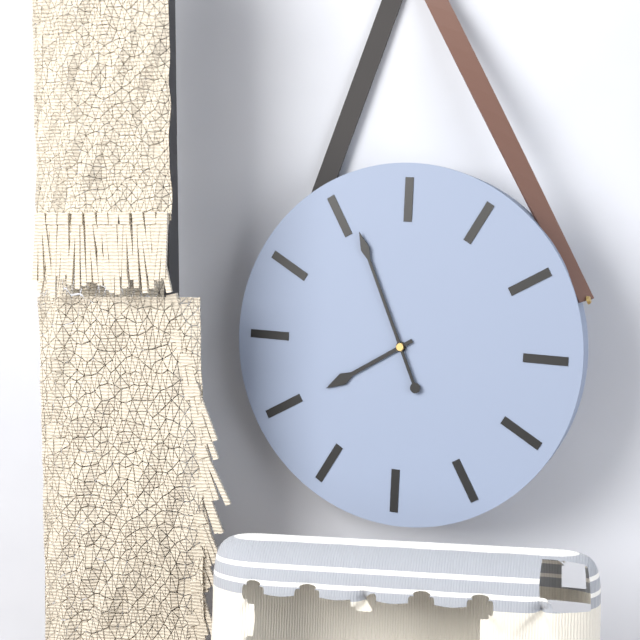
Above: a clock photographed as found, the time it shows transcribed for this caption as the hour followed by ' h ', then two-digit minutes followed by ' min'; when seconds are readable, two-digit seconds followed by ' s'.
7 h 56 min
